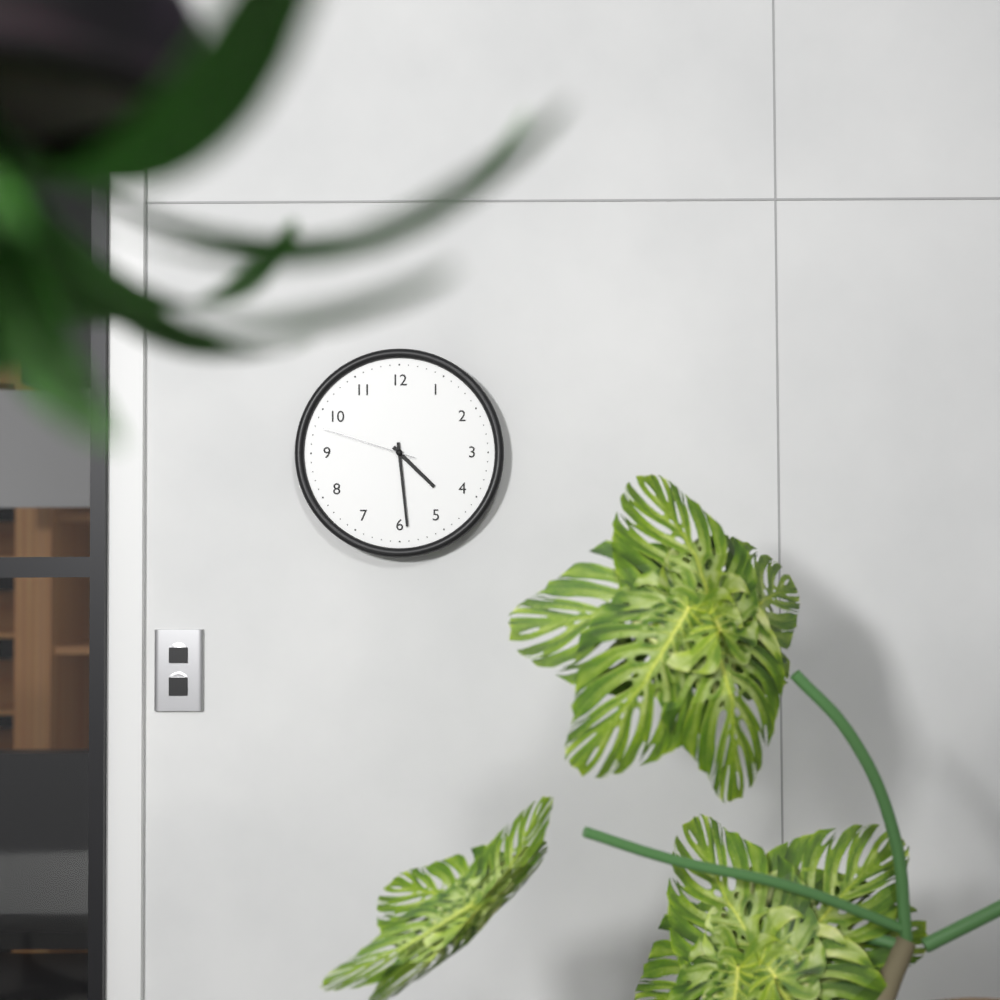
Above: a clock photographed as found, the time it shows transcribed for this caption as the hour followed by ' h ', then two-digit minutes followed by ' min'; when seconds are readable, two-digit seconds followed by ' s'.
4 h 29 min 48 s
